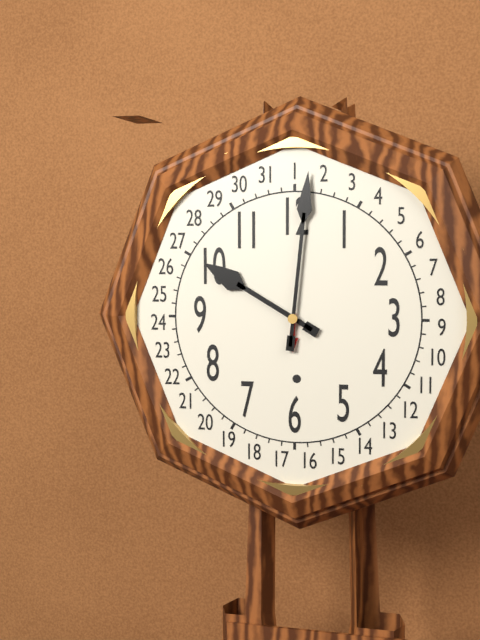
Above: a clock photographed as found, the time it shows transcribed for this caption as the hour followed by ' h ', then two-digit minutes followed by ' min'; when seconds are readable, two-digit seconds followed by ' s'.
10 h 01 min
